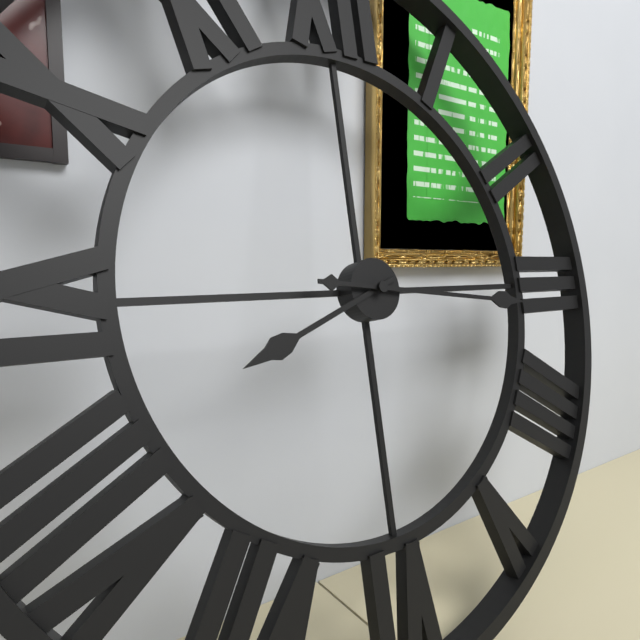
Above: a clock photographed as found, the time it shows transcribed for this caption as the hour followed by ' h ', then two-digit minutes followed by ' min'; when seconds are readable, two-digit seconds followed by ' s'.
8 h 16 min
